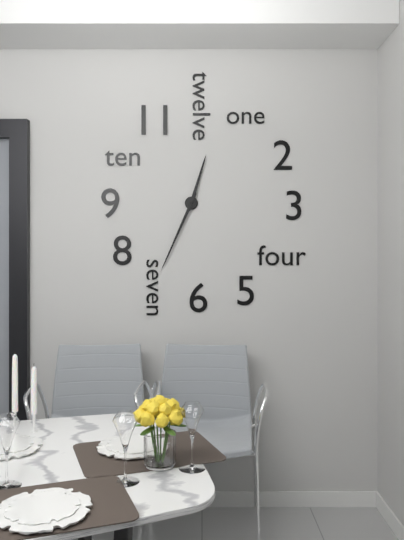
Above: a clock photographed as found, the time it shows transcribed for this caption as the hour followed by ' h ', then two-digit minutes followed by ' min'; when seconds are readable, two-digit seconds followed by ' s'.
12 h 34 min
